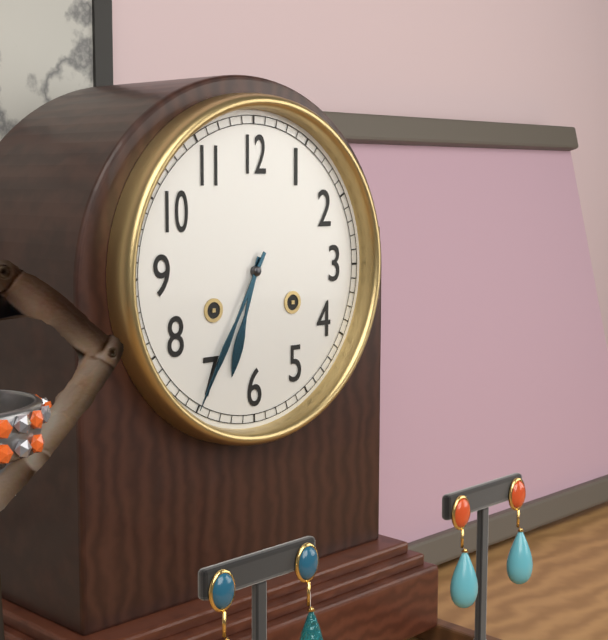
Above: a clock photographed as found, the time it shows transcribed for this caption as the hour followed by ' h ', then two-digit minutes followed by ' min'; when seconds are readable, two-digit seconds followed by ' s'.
6 h 35 min
